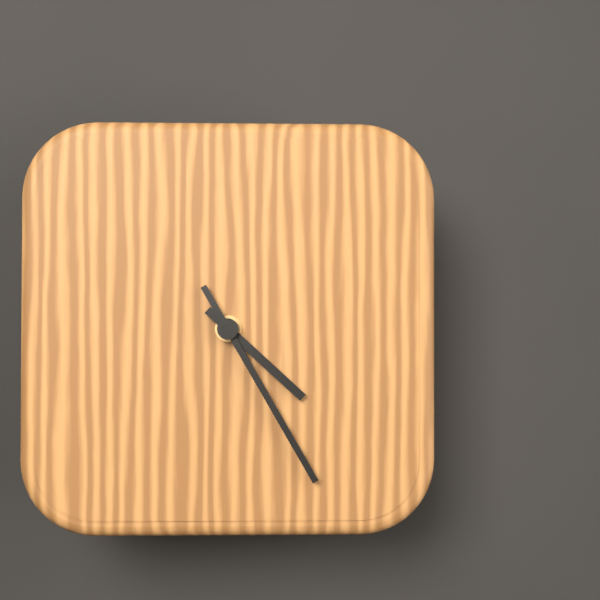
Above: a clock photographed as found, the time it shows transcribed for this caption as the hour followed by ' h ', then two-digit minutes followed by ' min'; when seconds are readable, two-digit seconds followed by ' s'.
4 h 25 min
